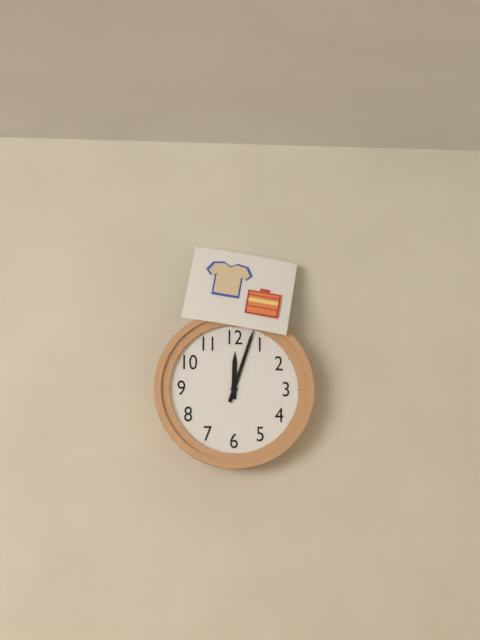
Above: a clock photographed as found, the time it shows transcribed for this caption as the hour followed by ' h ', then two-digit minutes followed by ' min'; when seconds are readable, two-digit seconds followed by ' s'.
12 h 03 min
